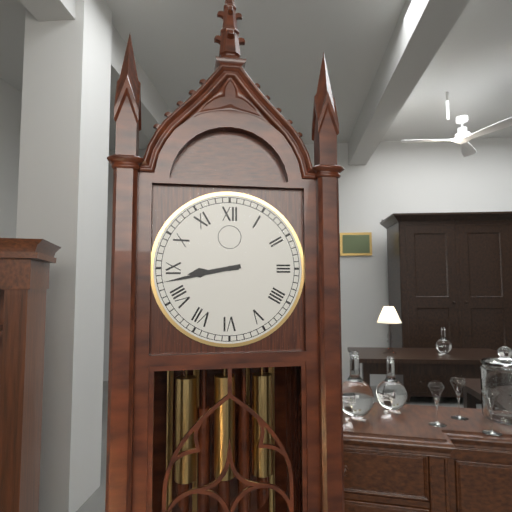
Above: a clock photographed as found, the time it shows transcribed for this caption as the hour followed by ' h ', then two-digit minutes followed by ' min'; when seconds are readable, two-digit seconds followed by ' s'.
8 h 43 min
